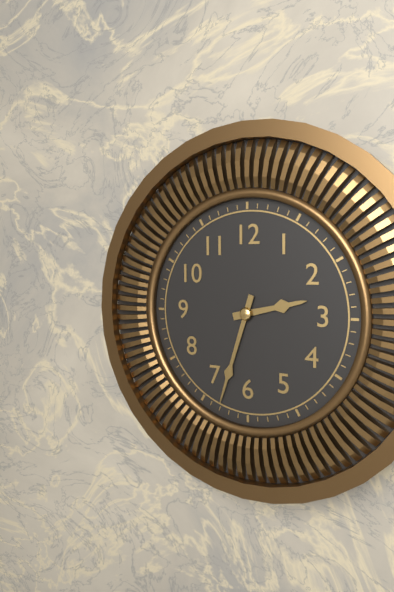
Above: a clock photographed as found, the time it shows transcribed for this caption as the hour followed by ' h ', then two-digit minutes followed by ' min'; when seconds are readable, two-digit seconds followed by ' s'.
2 h 33 min
